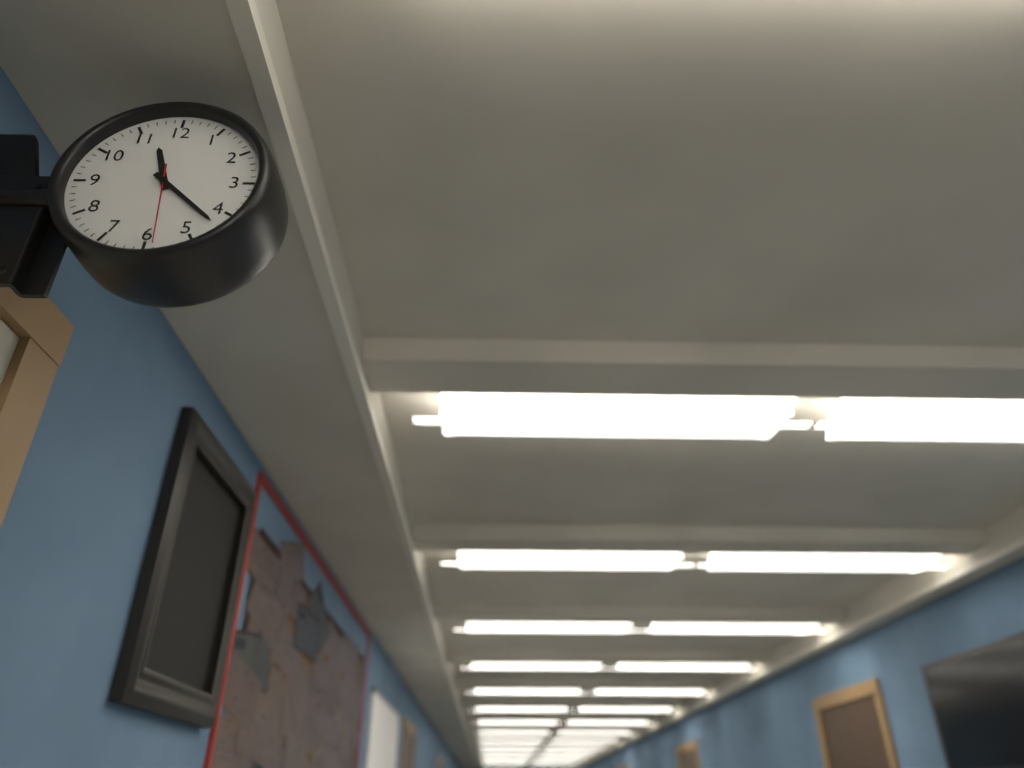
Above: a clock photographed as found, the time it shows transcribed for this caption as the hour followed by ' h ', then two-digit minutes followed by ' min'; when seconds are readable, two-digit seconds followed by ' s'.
11 h 22 min 29 s
